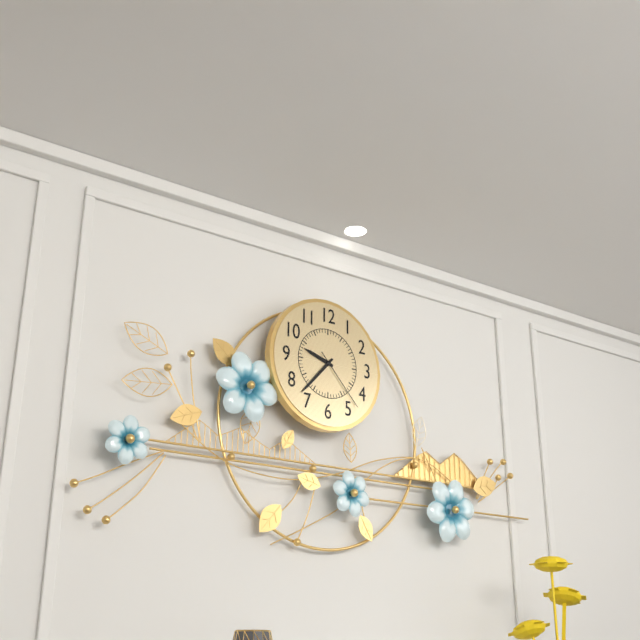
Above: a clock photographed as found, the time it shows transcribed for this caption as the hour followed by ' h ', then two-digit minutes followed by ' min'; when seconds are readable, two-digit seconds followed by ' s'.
9 h 37 min 23 s
